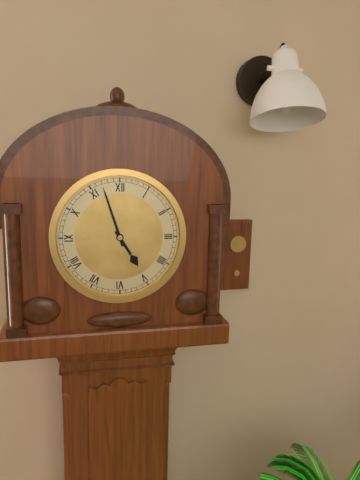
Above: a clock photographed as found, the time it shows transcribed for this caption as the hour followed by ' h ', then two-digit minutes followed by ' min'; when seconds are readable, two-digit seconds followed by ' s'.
4 h 57 min
